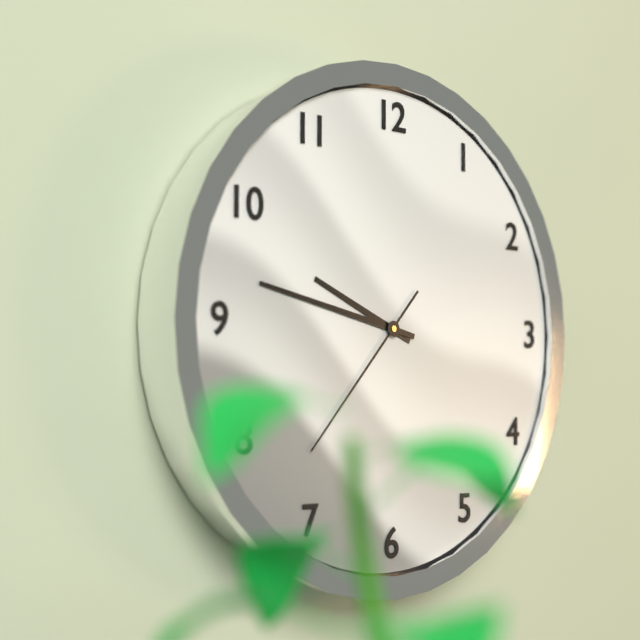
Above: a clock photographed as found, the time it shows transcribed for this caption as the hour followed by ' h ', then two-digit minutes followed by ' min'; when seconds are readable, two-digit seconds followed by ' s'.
9 h 47 min 37 s
